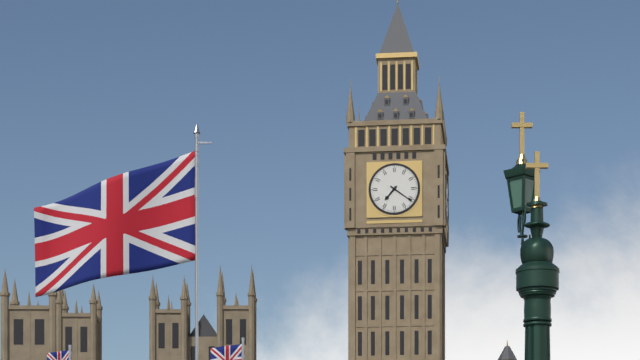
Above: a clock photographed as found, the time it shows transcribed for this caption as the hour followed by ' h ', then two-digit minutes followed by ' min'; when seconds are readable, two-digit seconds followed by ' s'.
7 h 21 min
